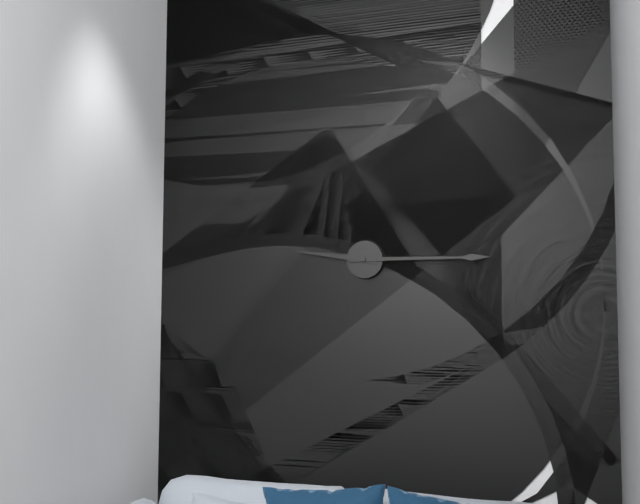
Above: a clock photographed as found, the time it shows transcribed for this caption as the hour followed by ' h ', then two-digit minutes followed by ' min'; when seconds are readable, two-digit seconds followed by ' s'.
9 h 15 min
